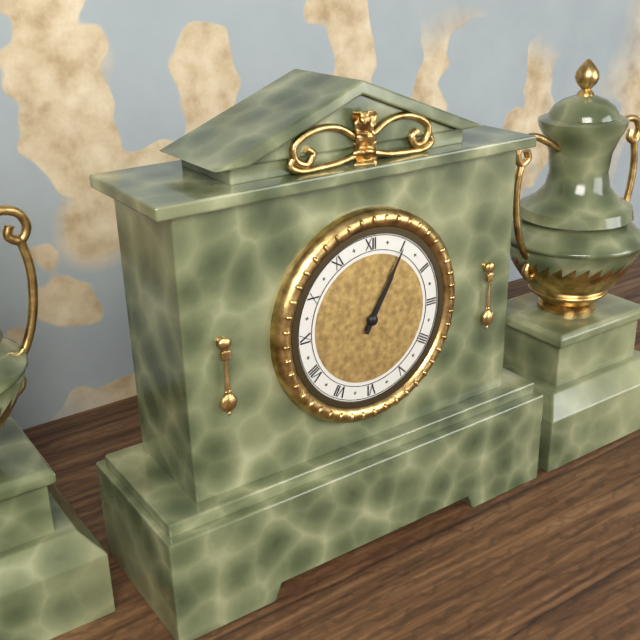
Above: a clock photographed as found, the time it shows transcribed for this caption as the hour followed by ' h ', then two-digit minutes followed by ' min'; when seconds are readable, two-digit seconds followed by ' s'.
1 h 05 min
